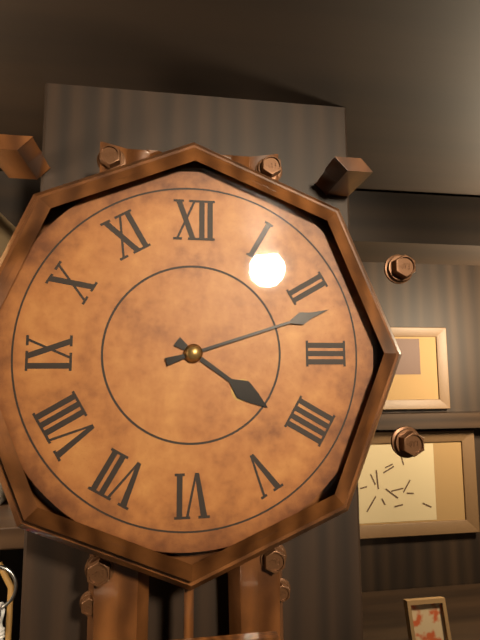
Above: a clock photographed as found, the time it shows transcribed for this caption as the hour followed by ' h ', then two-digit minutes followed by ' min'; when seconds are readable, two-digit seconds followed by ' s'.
4 h 12 min
